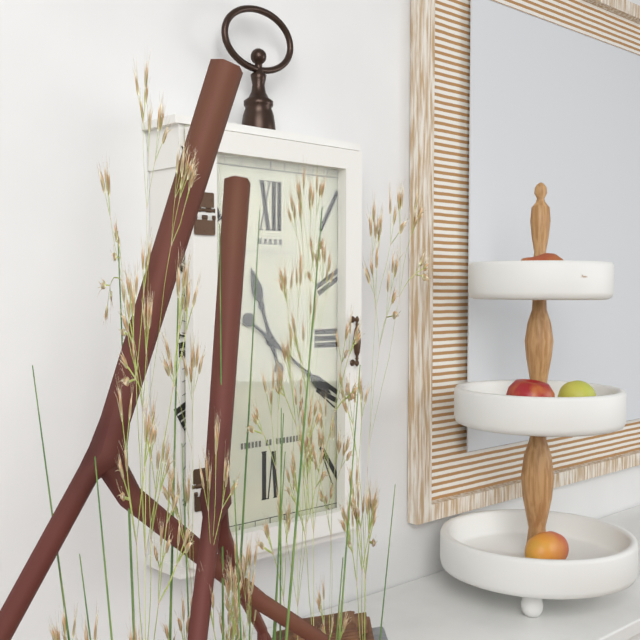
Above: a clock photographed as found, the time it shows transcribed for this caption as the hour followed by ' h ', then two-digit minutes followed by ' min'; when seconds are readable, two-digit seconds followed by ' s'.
11 h 21 min
